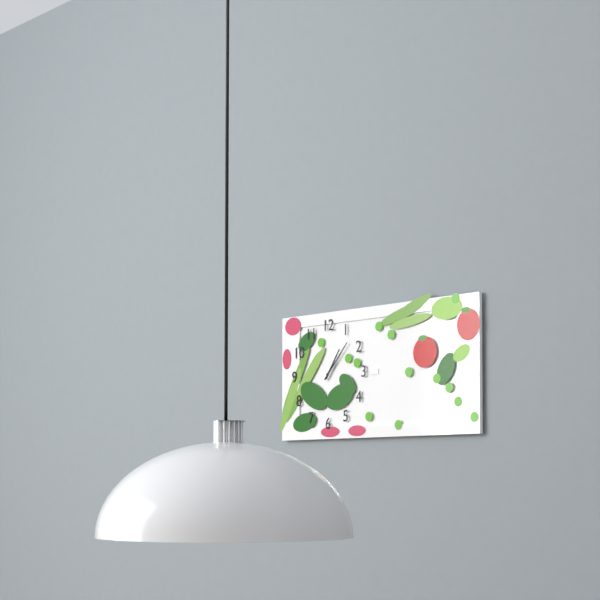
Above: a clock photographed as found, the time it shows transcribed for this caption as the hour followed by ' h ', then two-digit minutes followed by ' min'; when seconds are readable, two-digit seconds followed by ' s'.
1 h 07 min
